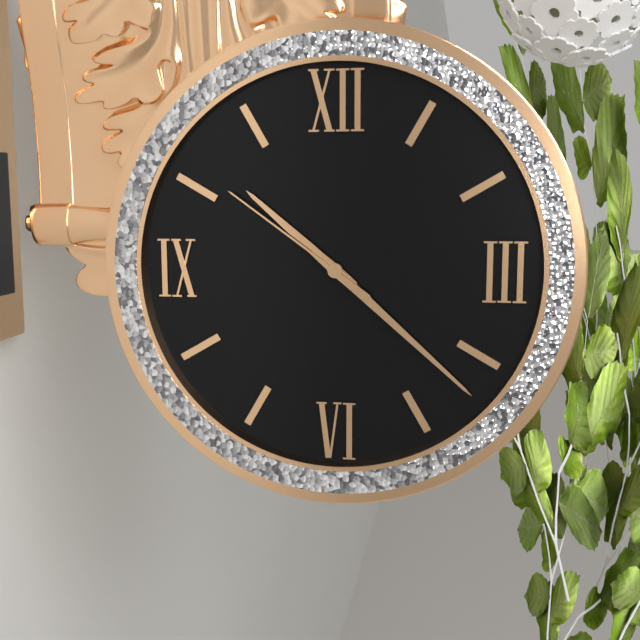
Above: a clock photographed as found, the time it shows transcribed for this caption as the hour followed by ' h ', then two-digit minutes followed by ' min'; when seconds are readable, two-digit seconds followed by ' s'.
10 h 22 min 51 s
